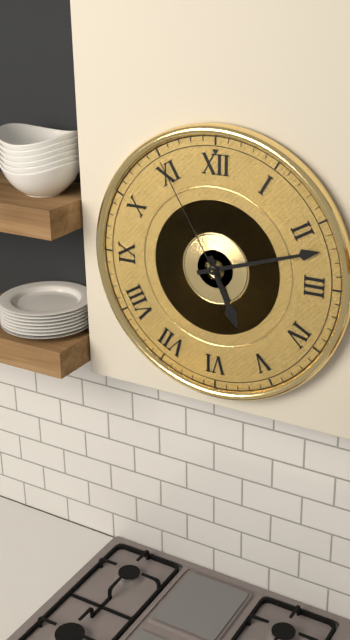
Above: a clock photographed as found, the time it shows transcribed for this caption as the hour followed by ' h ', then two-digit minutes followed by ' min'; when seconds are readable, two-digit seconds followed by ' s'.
5 h 12 min 55 s
